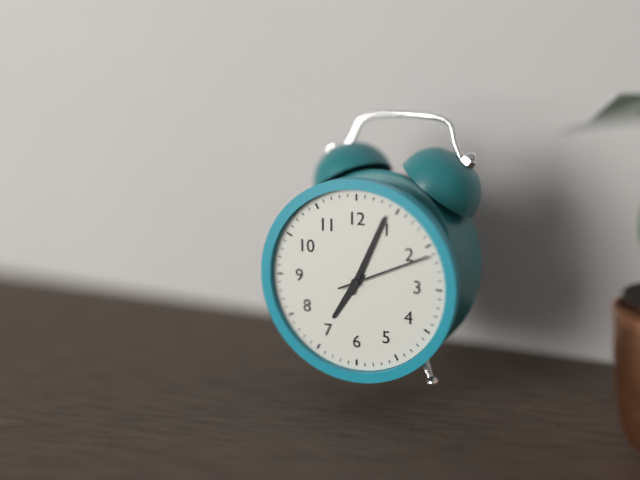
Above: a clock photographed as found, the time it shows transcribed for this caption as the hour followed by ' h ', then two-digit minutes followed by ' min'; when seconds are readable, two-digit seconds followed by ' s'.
7 h 04 min 11 s
